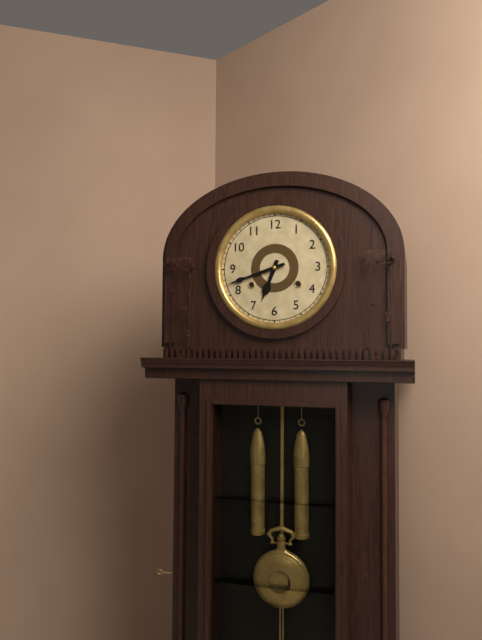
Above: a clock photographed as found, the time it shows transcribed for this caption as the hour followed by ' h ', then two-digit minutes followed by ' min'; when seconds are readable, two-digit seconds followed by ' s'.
6 h 42 min
